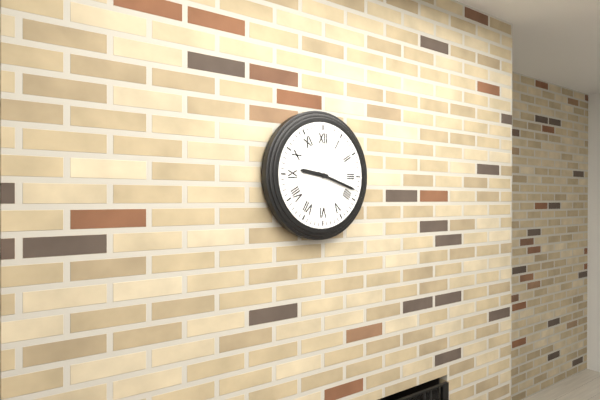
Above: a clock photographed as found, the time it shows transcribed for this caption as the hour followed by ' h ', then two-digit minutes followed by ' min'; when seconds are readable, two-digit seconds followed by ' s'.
9 h 18 min
